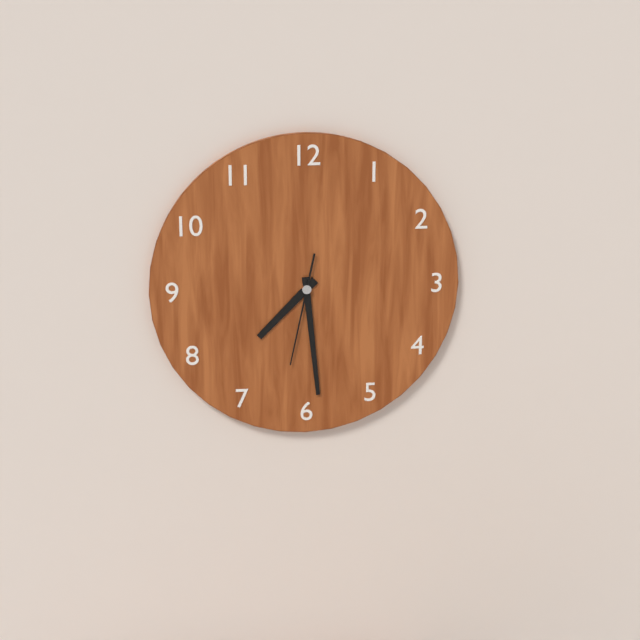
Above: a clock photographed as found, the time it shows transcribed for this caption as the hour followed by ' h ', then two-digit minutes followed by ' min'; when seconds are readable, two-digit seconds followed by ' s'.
7 h 29 min 32 s
